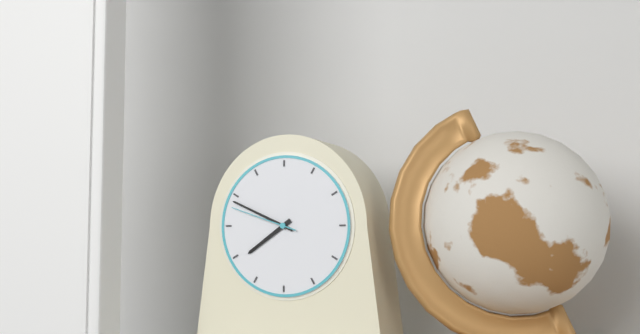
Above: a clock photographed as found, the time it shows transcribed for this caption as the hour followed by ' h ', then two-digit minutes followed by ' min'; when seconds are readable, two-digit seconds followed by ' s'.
7 h 49 min 48 s
